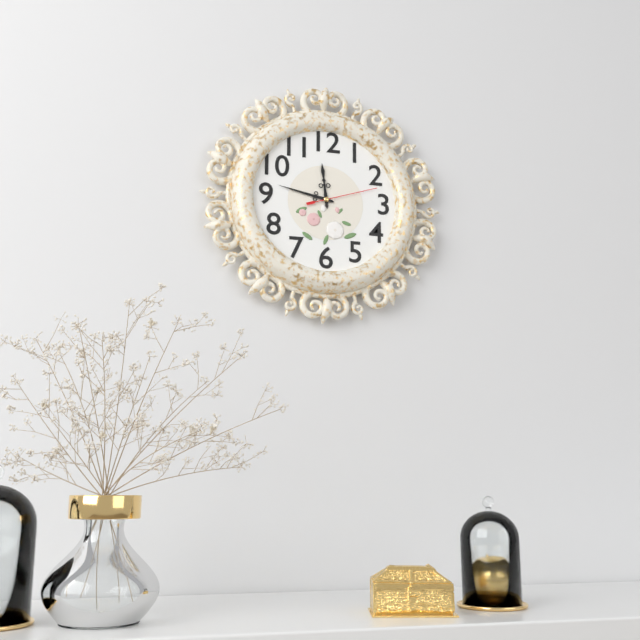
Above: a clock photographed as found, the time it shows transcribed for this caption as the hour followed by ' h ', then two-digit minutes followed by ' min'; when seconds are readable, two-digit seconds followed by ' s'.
11 h 47 min 12 s
